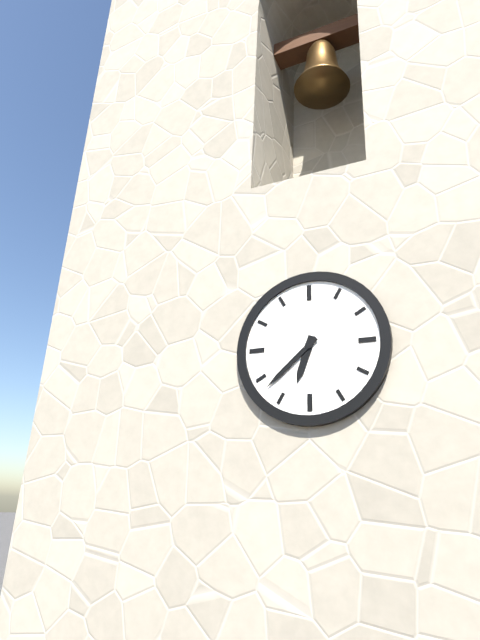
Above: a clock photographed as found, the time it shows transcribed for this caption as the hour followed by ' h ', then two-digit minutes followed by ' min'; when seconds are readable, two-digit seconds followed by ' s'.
6 h 38 min
